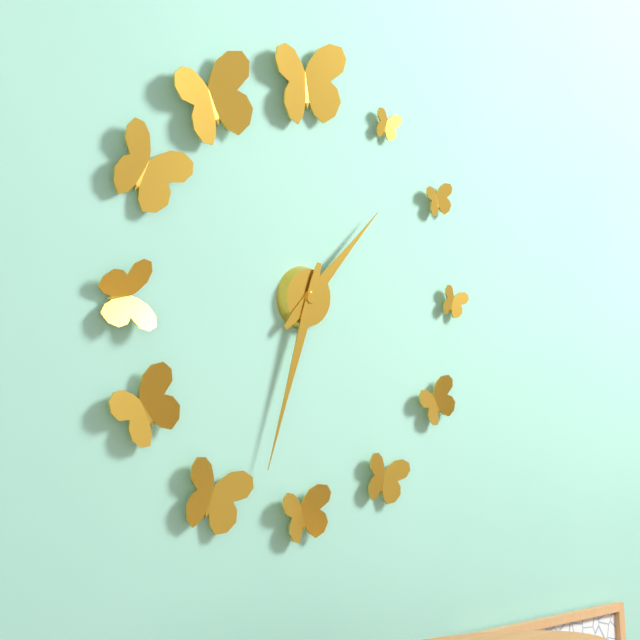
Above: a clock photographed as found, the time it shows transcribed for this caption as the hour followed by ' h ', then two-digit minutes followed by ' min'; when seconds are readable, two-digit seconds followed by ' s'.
1 h 33 min
